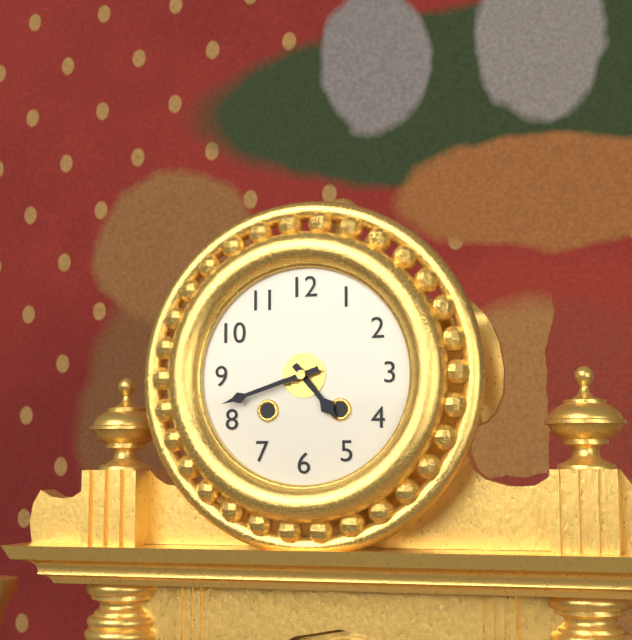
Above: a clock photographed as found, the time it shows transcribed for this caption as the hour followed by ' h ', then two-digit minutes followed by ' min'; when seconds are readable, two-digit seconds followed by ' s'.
4 h 42 min
